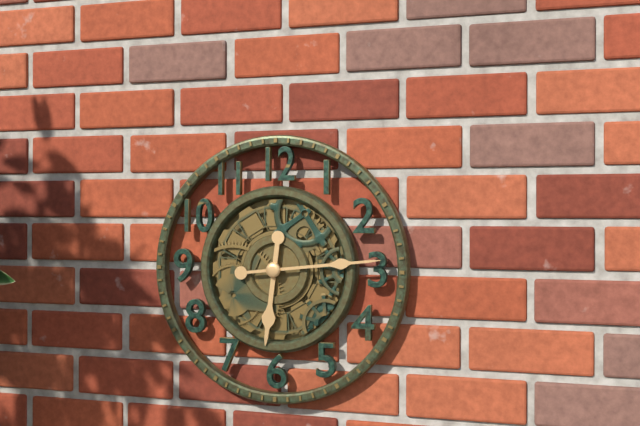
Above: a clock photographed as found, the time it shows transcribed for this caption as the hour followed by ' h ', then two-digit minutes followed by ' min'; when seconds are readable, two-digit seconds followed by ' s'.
6 h 14 min
